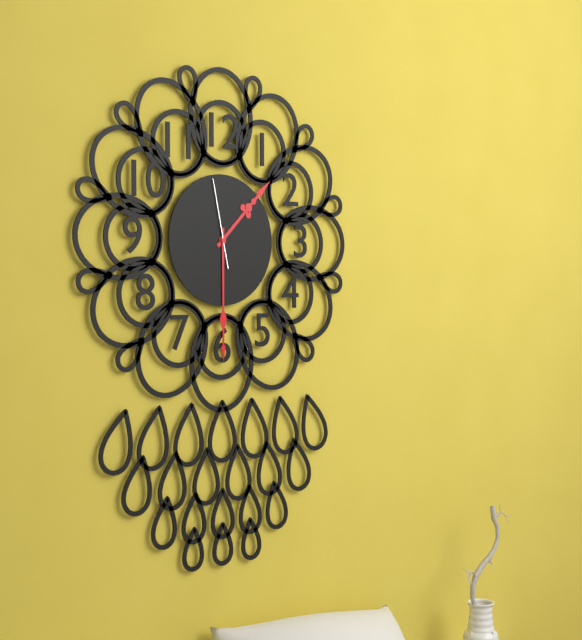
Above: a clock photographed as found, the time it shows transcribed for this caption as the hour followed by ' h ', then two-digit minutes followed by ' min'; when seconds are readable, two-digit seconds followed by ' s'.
1 h 30 min 58 s
